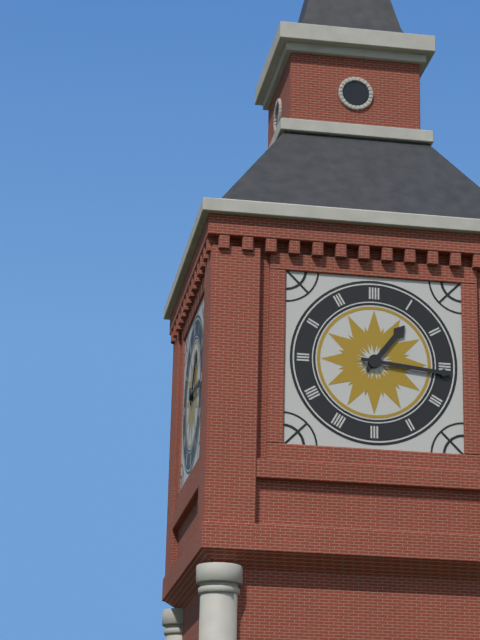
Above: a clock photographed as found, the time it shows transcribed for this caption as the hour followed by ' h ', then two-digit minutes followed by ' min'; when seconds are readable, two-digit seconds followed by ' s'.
1 h 16 min
